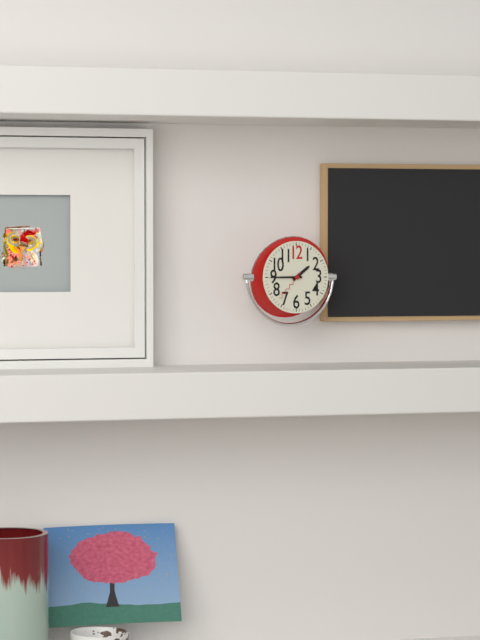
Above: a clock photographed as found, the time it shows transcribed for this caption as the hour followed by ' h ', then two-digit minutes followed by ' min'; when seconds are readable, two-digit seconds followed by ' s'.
1 h 45 min
